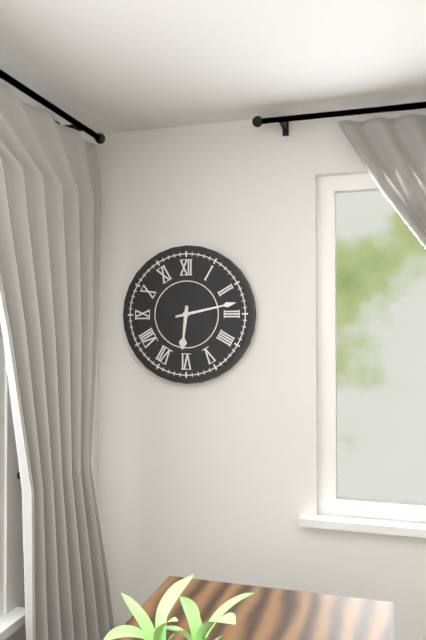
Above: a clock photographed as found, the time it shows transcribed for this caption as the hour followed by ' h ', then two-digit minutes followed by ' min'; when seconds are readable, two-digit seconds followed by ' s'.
6 h 13 min
